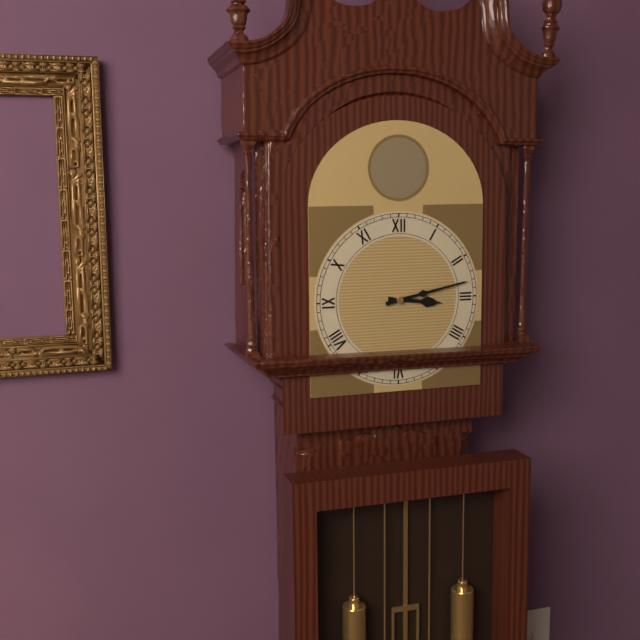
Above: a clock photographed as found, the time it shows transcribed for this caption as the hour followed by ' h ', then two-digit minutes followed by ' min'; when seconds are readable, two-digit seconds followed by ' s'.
3 h 13 min
